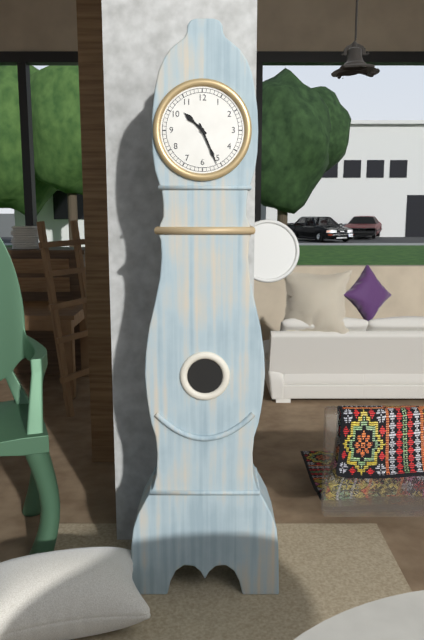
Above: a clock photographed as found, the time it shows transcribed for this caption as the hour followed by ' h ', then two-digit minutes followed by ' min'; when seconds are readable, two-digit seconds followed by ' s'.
10 h 26 min
